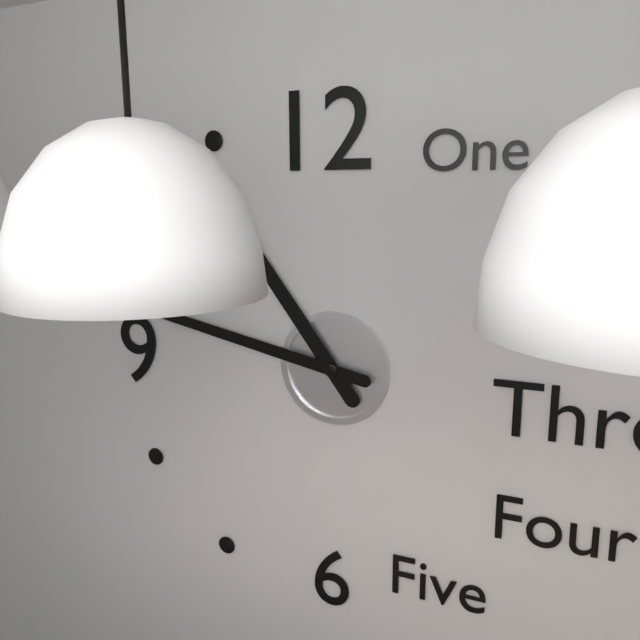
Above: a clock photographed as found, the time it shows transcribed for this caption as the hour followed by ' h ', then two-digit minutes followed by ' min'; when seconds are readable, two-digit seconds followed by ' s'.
10 h 47 min
